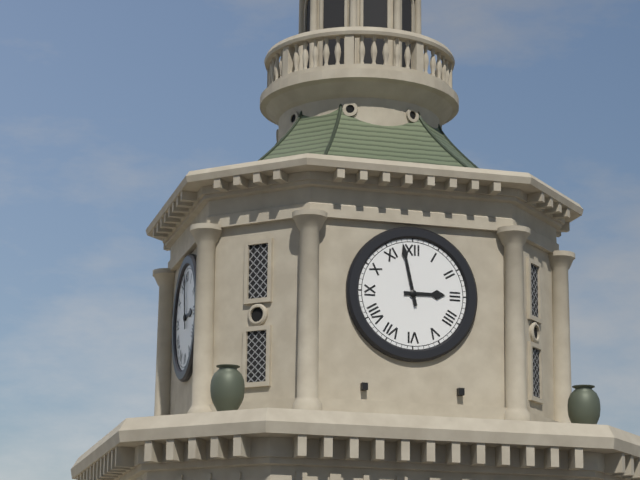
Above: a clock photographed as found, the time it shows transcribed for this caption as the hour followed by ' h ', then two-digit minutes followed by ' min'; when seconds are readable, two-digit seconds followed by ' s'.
2 h 58 min
